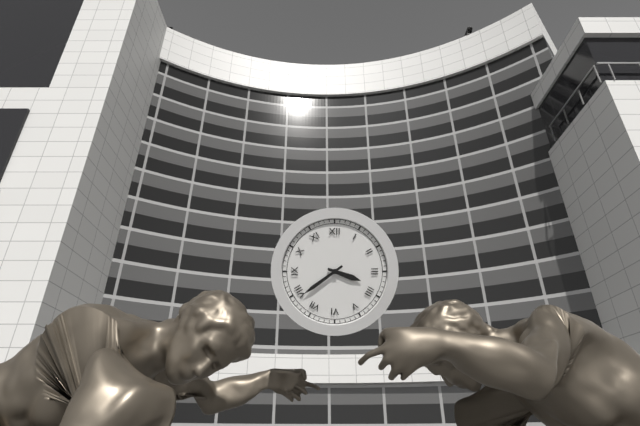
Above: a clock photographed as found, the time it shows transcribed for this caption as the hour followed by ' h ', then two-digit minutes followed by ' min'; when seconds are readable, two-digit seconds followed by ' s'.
3 h 39 min
